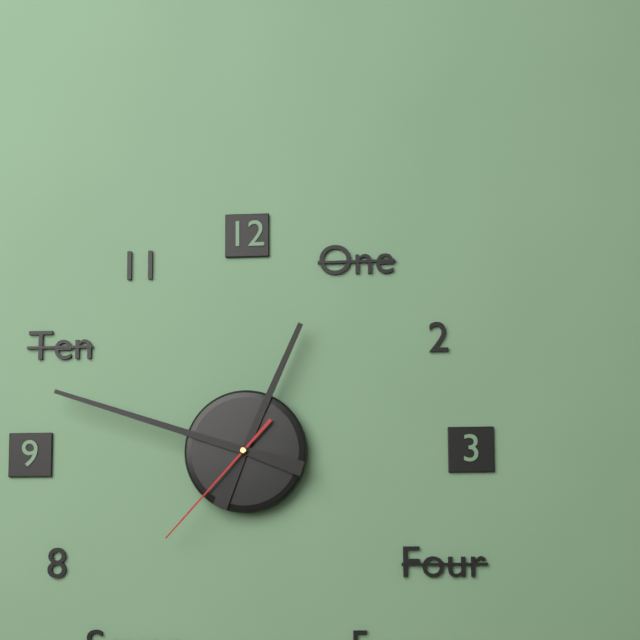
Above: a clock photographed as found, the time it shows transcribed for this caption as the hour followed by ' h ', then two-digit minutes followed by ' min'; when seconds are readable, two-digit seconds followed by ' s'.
12 h 48 min 37 s
